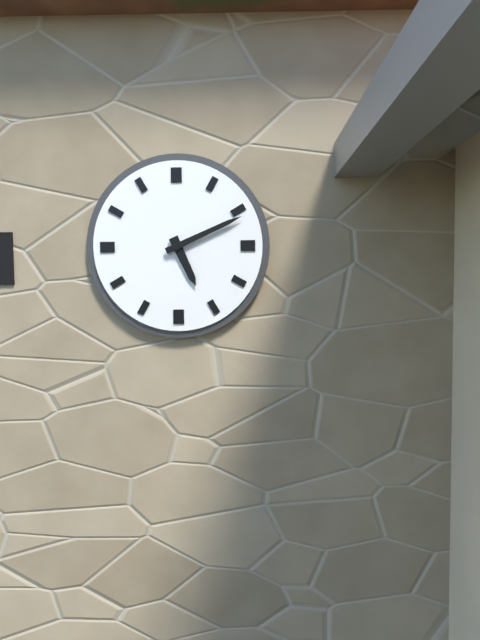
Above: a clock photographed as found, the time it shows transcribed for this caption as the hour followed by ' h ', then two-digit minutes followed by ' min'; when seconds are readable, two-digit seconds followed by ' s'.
5 h 11 min
